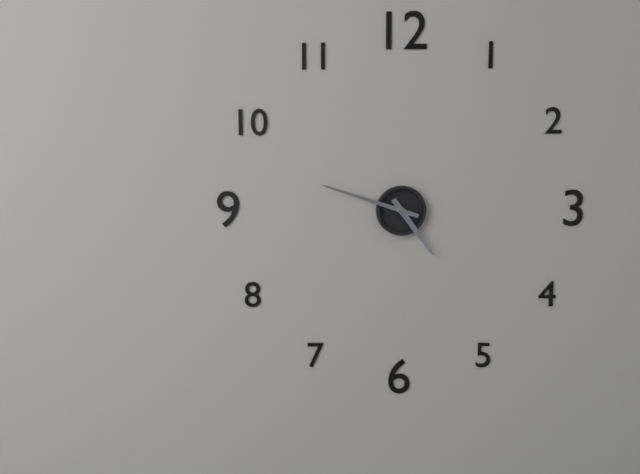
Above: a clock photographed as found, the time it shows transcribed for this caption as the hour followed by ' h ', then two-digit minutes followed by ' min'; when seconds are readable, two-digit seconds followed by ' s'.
4 h 48 min
